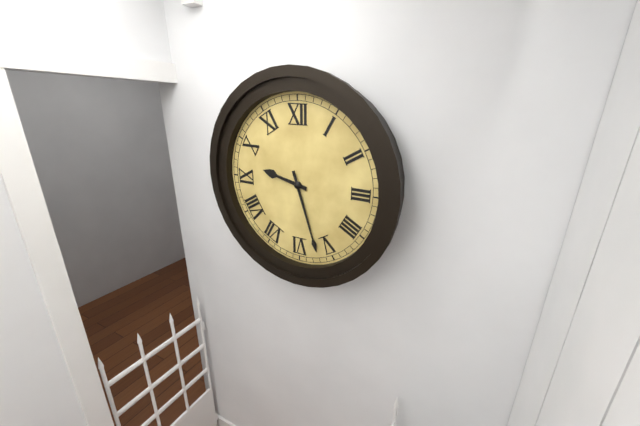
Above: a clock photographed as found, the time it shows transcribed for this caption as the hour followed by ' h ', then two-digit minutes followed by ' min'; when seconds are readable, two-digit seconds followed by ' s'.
9 h 27 min
